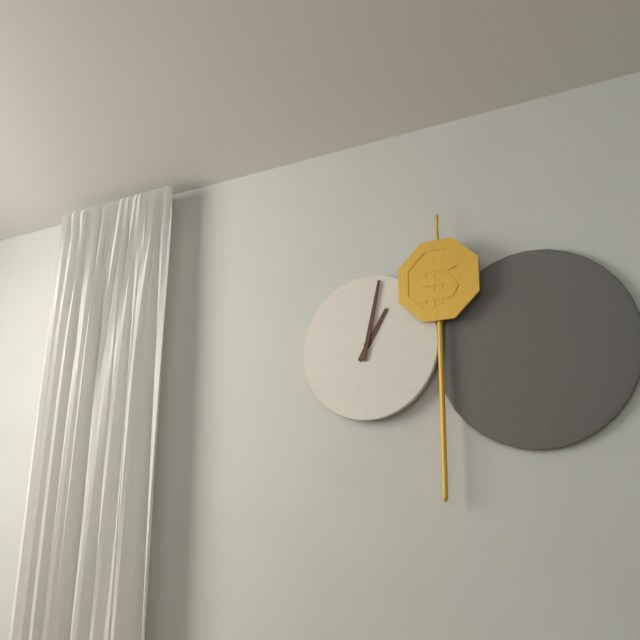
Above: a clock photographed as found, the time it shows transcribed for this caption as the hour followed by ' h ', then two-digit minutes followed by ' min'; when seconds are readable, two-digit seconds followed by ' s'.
1 h 02 min
